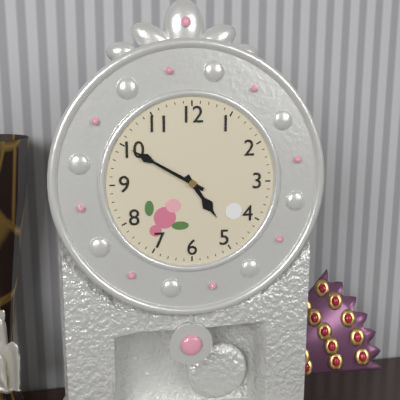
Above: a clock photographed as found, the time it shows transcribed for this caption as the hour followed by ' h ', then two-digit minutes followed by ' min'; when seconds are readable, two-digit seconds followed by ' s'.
4 h 50 min
